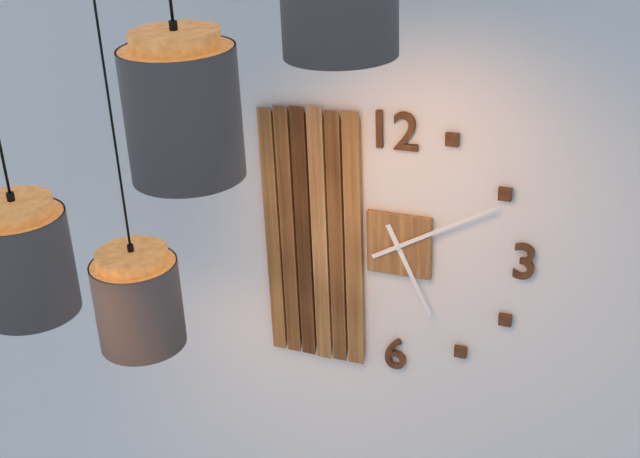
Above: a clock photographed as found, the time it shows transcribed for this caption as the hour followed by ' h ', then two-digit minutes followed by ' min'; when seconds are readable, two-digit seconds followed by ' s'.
5 h 10 min
